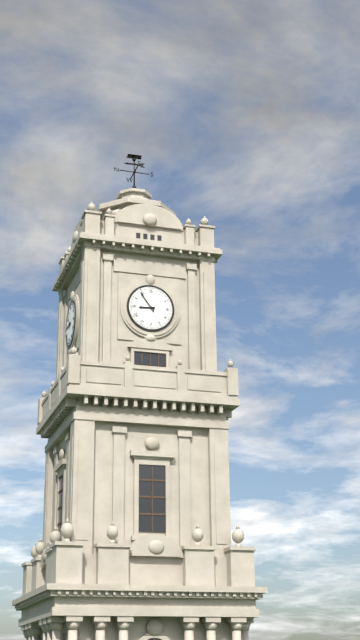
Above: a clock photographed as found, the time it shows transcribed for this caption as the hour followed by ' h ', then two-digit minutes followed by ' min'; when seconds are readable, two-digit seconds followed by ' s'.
8 h 54 min
